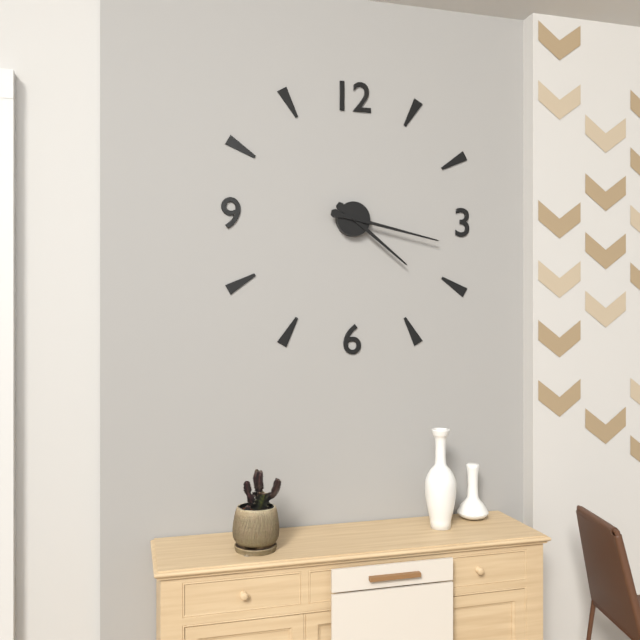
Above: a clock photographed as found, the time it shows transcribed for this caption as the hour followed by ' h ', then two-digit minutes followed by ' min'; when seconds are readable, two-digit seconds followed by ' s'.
4 h 17 min
